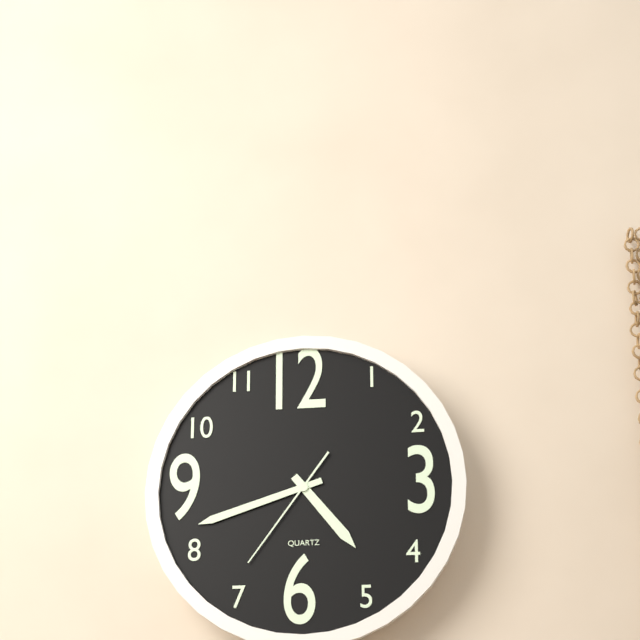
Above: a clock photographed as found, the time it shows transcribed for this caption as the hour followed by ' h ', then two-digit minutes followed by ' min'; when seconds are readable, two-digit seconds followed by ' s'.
4 h 42 min 36 s
